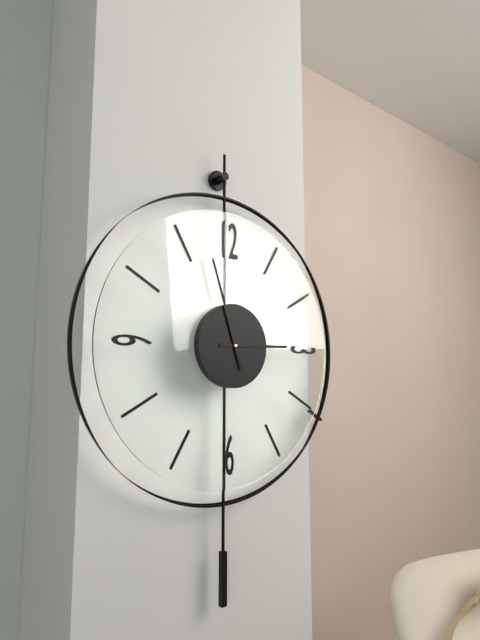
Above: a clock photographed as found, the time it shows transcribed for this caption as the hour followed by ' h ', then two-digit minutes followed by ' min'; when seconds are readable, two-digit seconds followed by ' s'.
2 h 57 min
